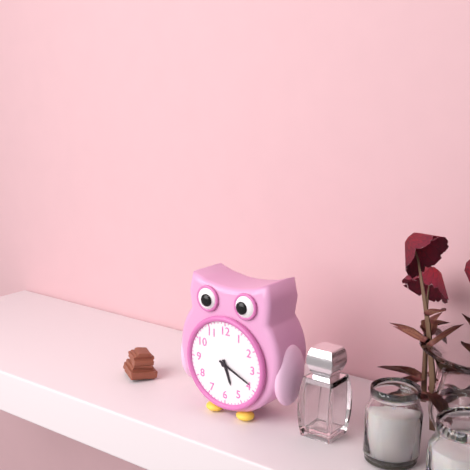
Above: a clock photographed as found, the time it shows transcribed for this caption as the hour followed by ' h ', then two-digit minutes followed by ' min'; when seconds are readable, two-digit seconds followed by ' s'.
5 h 19 min
